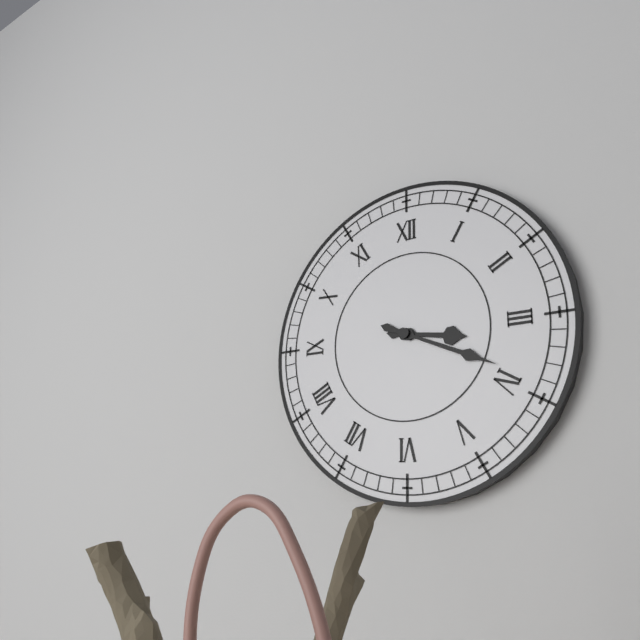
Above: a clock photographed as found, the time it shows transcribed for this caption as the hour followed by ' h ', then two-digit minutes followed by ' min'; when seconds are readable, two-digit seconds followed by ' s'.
3 h 19 min
